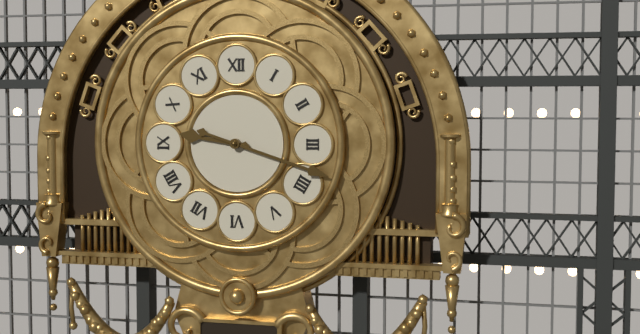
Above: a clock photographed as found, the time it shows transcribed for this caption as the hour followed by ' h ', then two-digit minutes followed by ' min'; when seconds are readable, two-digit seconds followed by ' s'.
9 h 18 min
